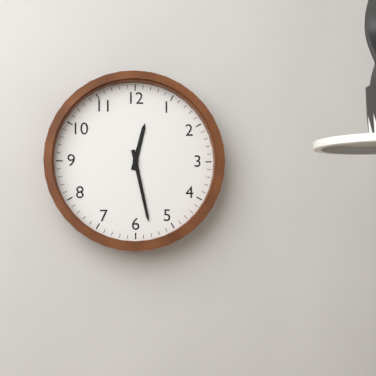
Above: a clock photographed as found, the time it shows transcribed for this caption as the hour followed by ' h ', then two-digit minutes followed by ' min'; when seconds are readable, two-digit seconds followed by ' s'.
12 h 28 min
